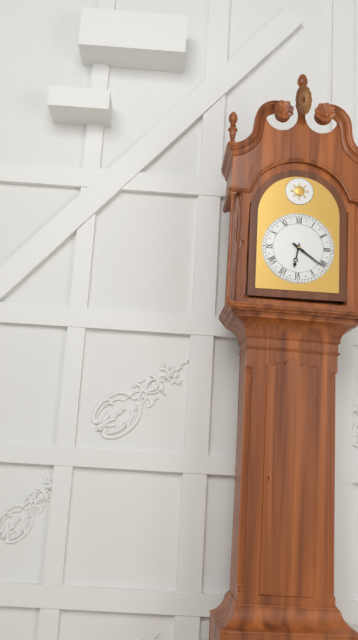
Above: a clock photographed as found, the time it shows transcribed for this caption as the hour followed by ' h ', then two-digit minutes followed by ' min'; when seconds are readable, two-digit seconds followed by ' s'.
6 h 21 min
